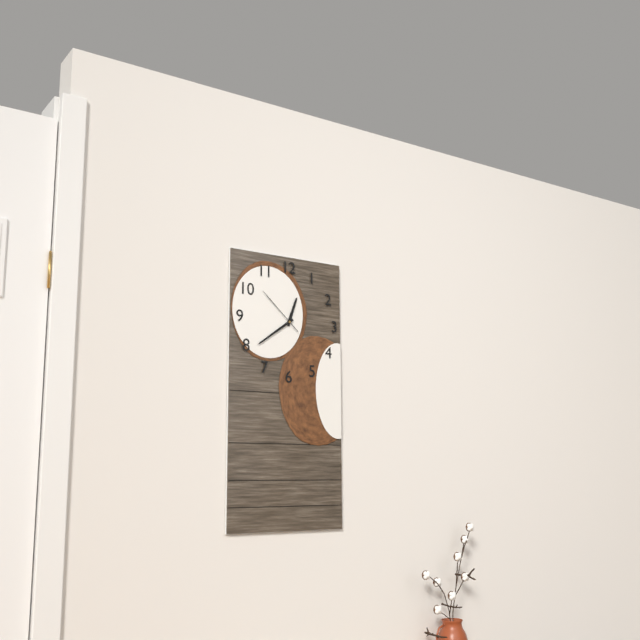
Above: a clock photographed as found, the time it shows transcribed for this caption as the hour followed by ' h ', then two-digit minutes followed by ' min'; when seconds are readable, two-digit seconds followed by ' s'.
12 h 39 min 52 s
